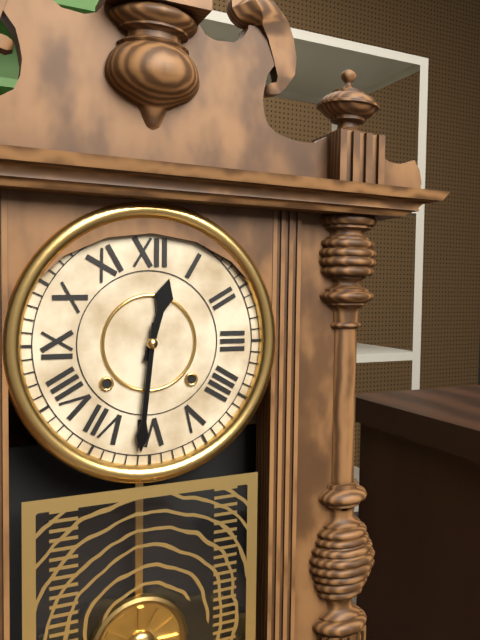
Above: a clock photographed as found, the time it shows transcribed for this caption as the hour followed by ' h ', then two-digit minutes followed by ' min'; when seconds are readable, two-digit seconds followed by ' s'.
12 h 31 min
